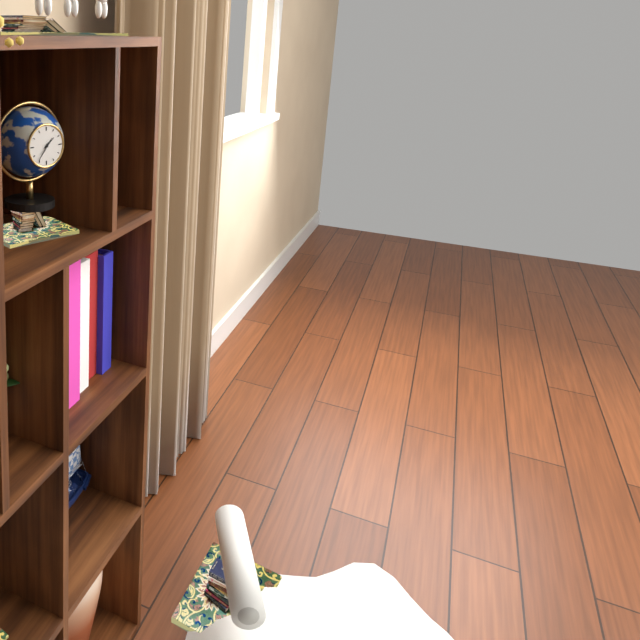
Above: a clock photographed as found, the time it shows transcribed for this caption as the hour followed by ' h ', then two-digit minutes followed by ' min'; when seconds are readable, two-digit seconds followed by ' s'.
1 h 36 min
